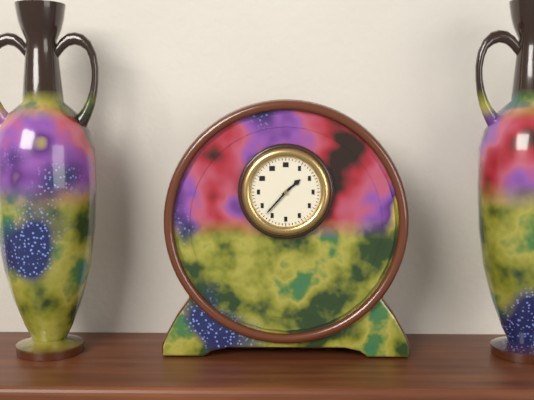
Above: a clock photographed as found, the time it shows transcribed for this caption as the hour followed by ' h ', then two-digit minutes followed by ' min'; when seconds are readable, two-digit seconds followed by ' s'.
1 h 37 min
